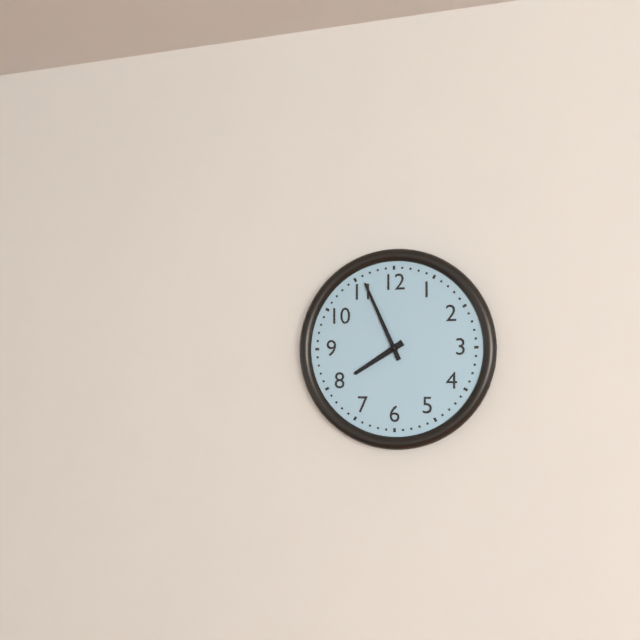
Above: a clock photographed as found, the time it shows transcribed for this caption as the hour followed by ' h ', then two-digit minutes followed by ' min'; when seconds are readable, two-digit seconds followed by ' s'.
7 h 56 min
